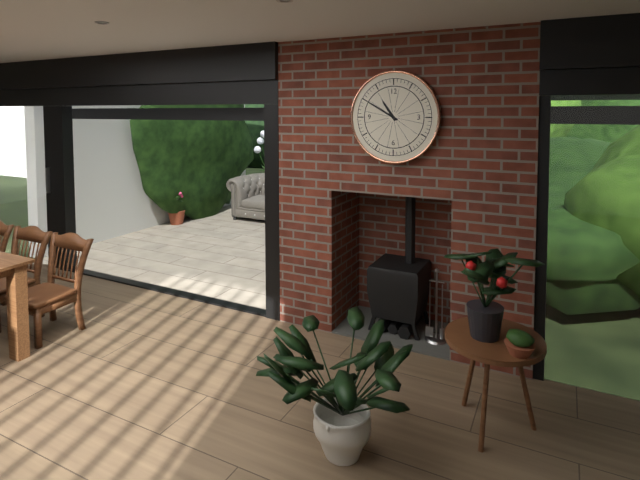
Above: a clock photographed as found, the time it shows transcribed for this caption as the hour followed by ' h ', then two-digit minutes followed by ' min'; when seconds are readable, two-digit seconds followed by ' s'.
10 h 50 min
